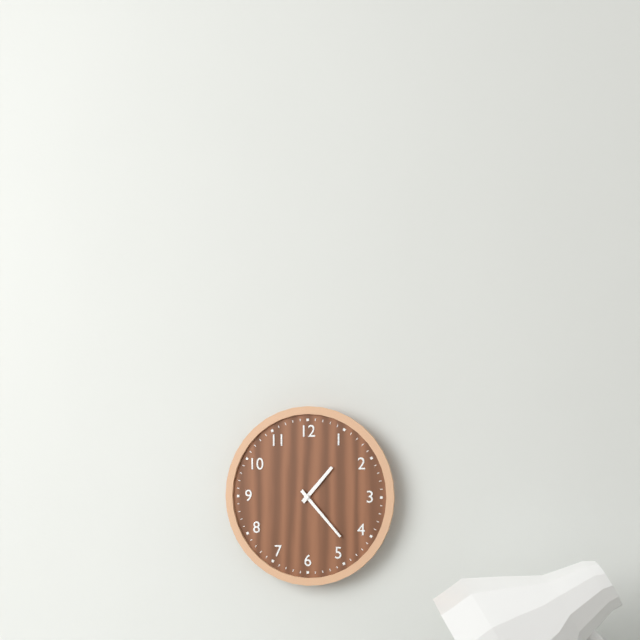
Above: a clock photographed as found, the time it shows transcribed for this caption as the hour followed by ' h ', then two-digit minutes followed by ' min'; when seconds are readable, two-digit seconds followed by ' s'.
1 h 23 min
